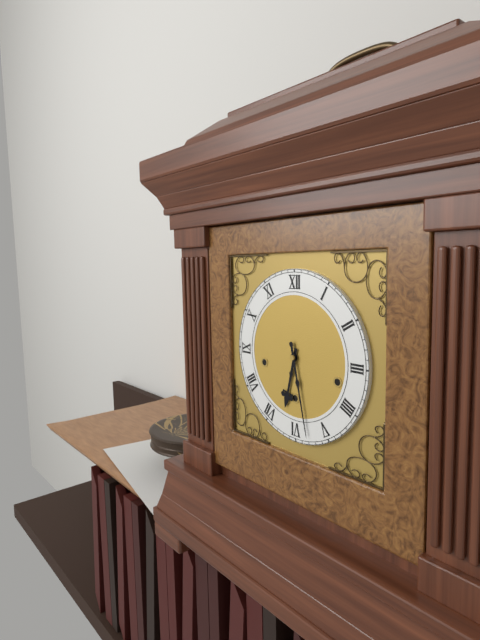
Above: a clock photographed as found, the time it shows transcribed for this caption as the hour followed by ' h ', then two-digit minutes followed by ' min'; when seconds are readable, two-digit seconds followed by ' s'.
6 h 28 min
